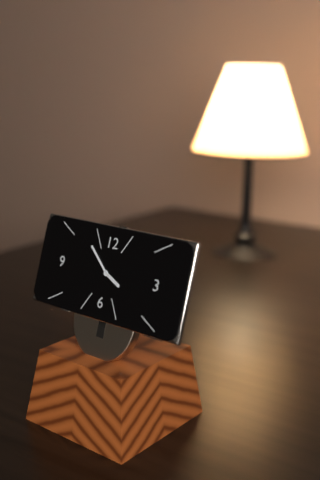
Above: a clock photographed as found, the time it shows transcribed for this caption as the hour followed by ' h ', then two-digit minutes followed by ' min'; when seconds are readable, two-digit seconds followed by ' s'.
3 h 52 min
